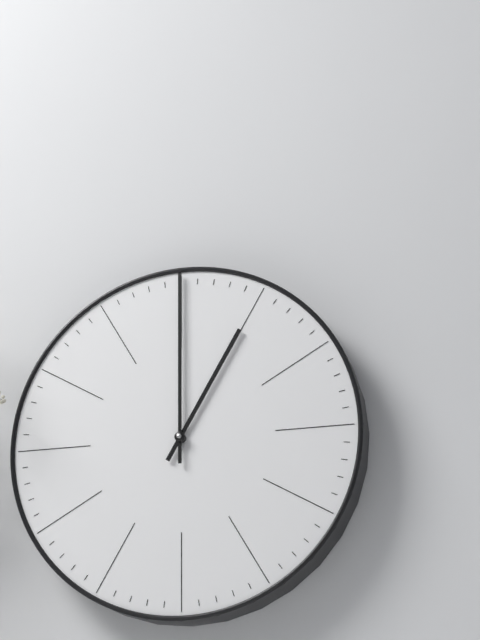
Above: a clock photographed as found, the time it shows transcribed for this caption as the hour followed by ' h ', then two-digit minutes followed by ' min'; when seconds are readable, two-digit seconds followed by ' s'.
1 h 00 min
